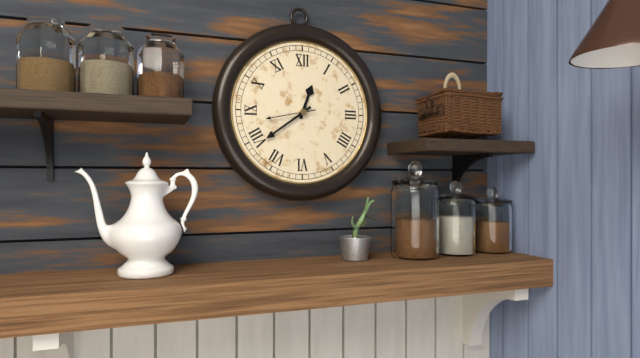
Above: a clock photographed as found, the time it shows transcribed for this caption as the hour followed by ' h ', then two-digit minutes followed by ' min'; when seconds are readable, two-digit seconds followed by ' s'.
12 h 39 min
